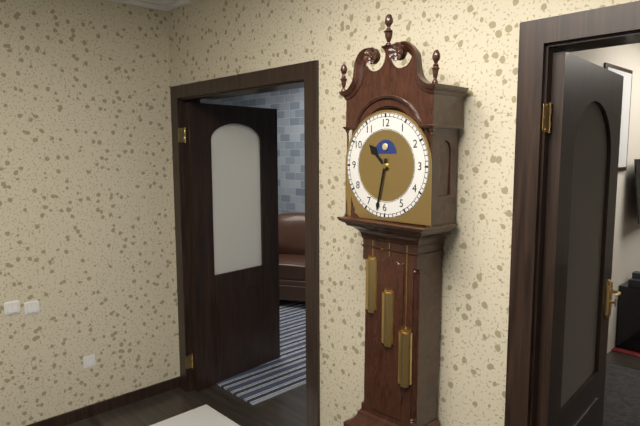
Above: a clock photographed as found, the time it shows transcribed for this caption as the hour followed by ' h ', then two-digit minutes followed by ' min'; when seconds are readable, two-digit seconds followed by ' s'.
10 h 32 min
